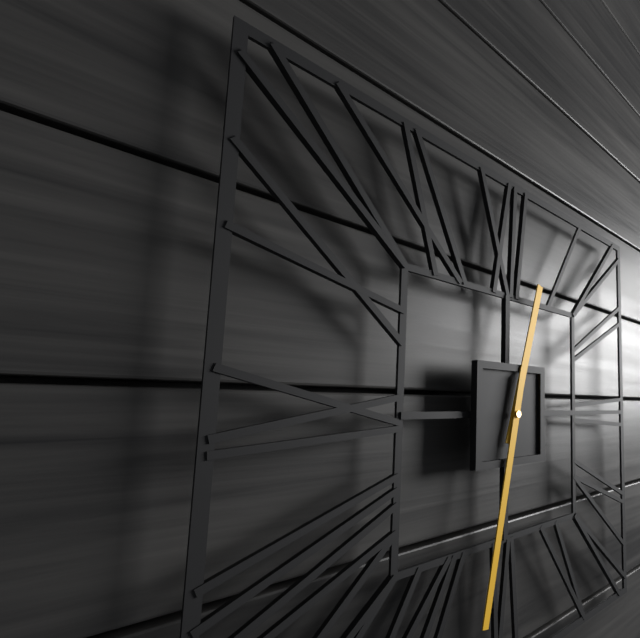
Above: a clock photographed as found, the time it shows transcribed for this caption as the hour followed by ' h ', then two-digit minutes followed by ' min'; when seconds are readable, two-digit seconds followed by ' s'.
12 h 32 min
